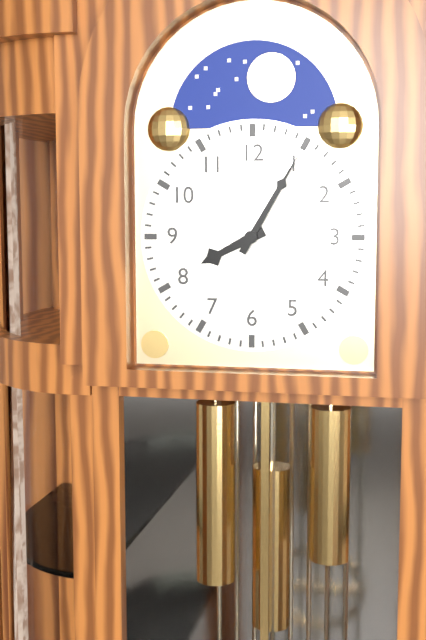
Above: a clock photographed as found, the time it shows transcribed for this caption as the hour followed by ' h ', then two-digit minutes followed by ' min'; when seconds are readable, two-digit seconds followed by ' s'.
8 h 05 min
